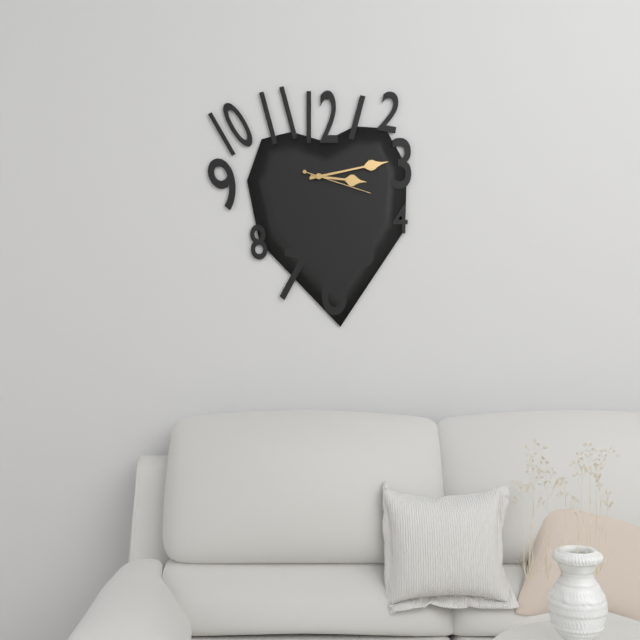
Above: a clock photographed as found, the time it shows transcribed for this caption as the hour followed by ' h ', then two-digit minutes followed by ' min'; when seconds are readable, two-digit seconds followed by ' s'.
3 h 13 min 18 s
